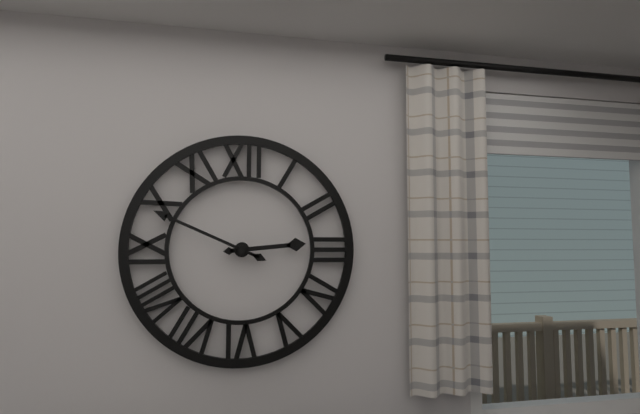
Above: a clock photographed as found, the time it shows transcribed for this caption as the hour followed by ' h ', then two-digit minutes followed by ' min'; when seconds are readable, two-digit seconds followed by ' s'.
2 h 49 min
